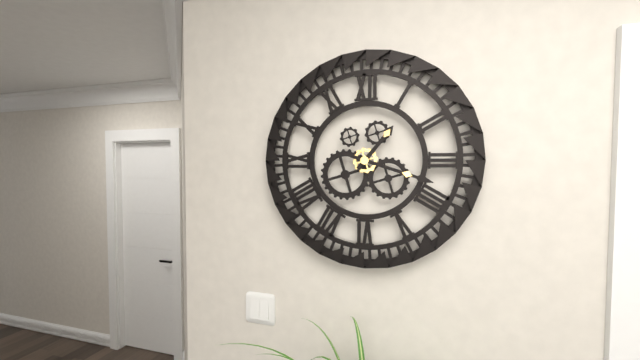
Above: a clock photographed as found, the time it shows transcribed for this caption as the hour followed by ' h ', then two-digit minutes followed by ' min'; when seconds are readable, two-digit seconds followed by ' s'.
1 h 18 min
